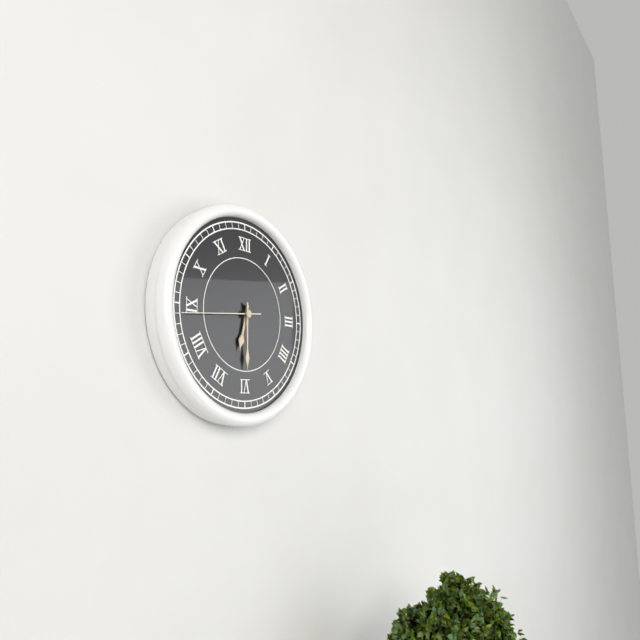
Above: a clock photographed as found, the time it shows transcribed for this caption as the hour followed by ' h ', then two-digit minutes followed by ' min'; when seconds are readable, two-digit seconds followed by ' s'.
6 h 30 min 44 s
